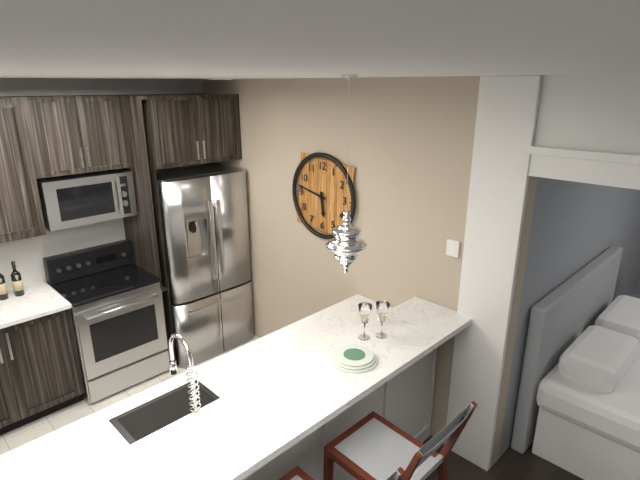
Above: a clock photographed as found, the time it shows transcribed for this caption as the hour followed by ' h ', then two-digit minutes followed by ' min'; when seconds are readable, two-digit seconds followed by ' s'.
5 h 47 min
